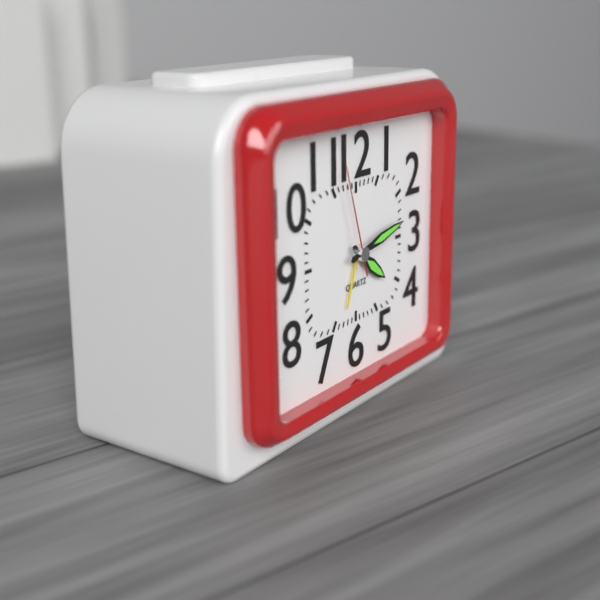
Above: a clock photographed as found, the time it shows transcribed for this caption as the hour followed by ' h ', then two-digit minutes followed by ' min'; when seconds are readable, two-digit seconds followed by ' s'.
4 h 13 min 57 s
